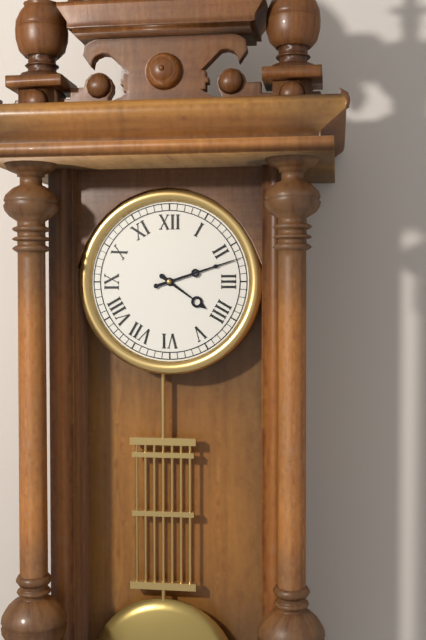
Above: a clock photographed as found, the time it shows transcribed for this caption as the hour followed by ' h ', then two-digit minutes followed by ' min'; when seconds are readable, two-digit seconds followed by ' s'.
4 h 12 min
